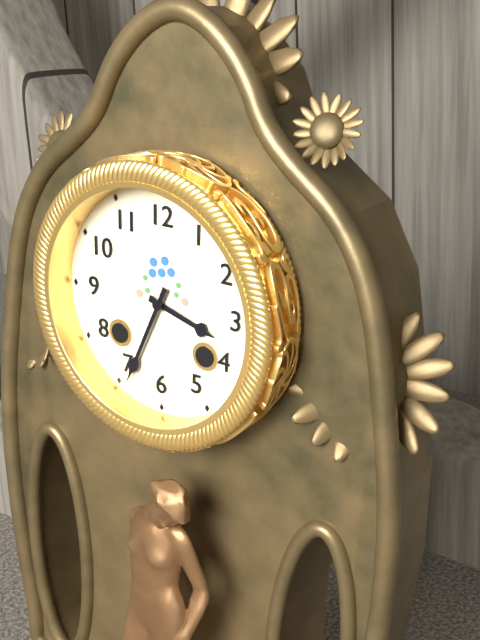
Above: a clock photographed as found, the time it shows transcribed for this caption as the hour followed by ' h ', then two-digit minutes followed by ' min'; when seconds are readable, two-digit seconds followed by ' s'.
3 h 34 min
